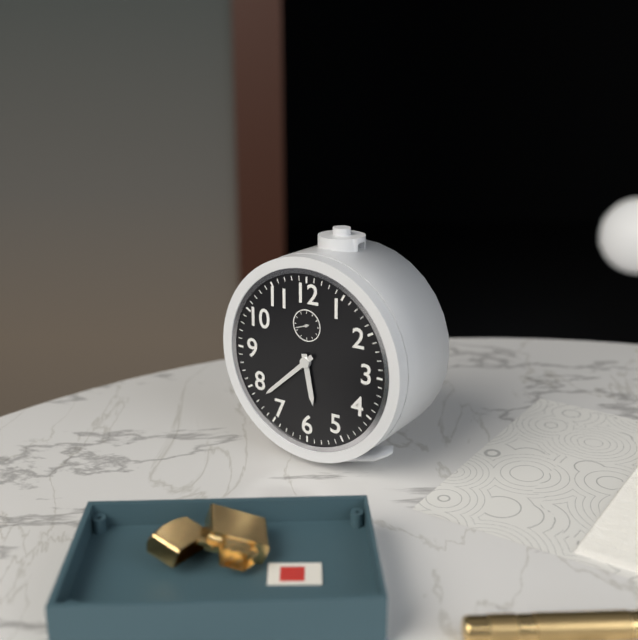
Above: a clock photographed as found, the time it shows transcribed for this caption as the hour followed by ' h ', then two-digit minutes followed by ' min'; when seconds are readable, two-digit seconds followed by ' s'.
5 h 38 min
